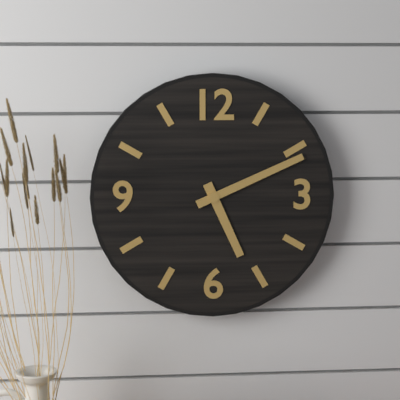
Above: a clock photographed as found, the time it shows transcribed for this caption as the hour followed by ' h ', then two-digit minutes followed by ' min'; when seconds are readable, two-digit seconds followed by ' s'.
5 h 11 min
